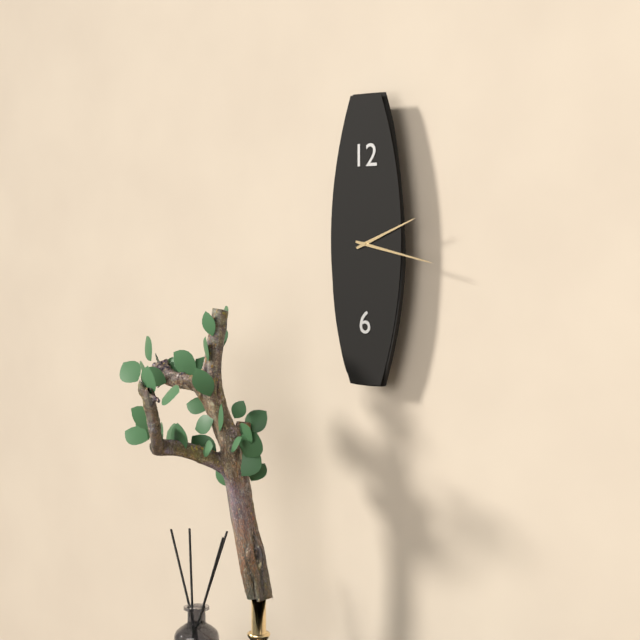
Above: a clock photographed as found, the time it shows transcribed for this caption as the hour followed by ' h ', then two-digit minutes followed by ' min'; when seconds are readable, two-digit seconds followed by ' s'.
2 h 17 min
